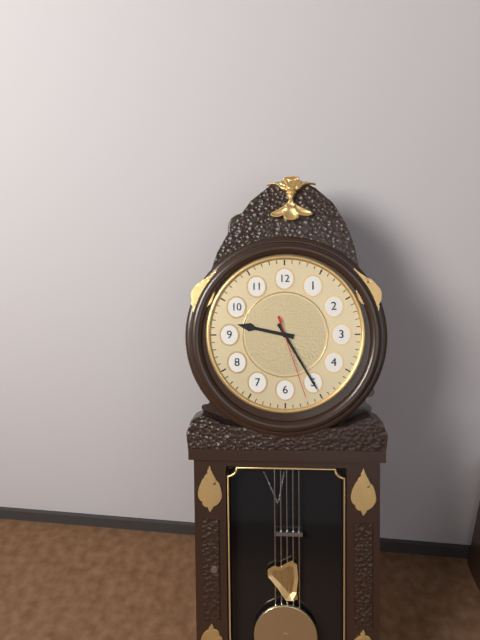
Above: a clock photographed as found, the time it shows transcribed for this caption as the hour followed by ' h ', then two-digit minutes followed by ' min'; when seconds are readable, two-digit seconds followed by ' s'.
9 h 25 min 27 s
